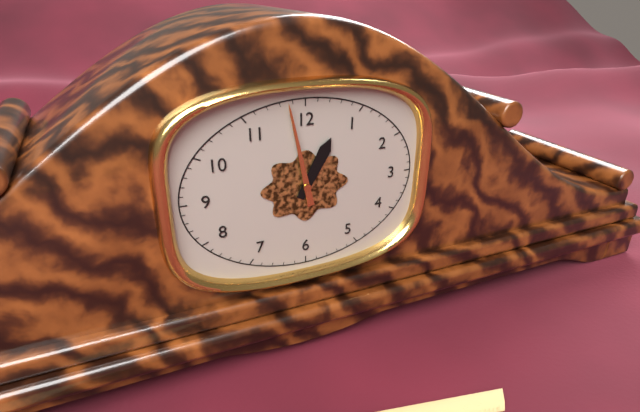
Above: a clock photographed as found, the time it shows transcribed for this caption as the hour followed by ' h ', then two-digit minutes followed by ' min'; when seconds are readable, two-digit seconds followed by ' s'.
12 h 58 min
